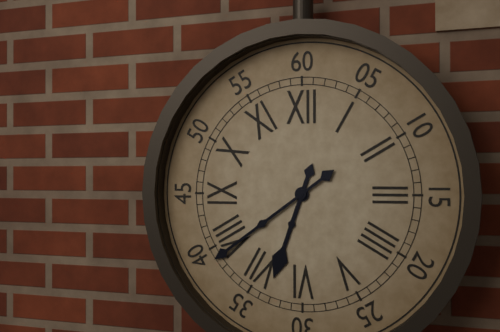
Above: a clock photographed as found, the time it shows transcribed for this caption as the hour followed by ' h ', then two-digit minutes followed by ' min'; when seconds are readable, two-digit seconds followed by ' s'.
6 h 39 min
